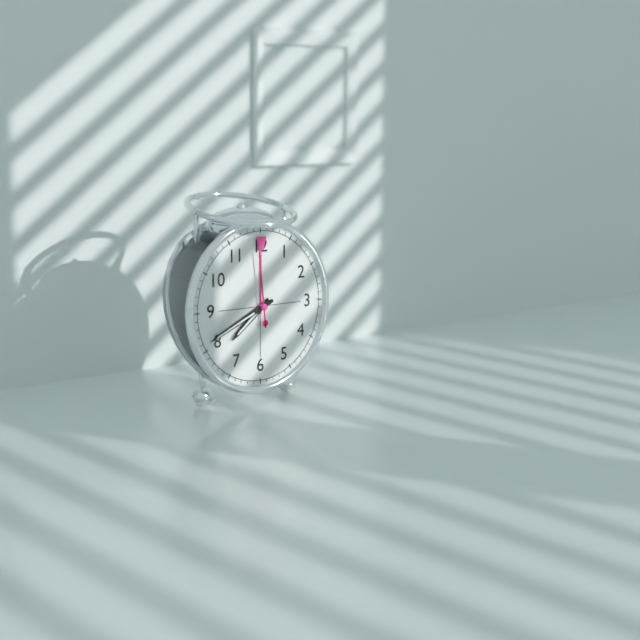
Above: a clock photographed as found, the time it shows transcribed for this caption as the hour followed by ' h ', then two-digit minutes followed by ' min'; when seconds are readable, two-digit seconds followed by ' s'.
7 h 41 min 59 s
